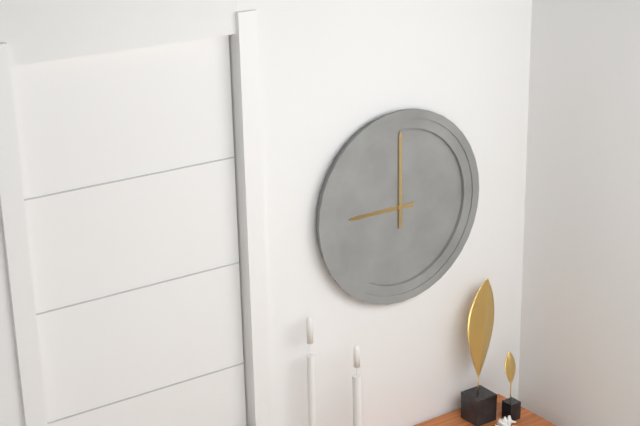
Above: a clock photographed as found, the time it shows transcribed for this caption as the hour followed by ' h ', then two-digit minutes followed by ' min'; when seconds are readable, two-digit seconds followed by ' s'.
9 h 00 min
